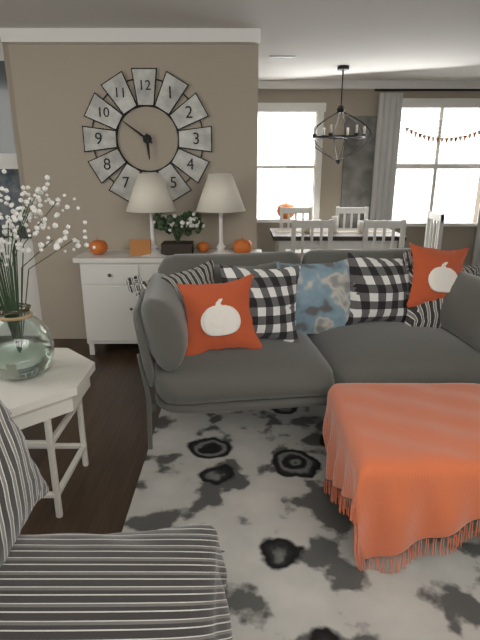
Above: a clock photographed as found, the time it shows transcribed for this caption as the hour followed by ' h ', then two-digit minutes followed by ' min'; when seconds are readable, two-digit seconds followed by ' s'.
5 h 51 min
